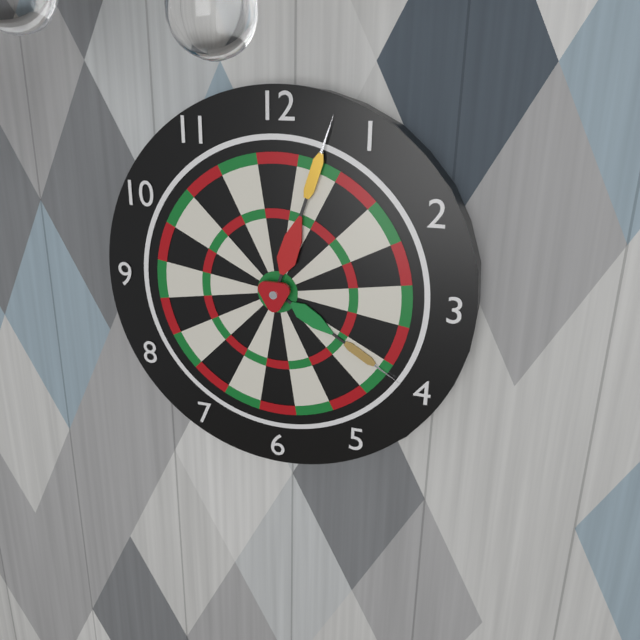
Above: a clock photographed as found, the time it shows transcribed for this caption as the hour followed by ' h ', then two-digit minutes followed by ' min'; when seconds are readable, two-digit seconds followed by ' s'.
4 h 03 min
